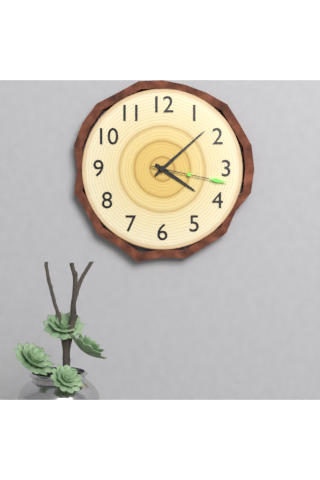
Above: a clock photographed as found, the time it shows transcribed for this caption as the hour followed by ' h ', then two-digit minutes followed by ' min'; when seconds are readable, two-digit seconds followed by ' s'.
4 h 08 min 17 s
